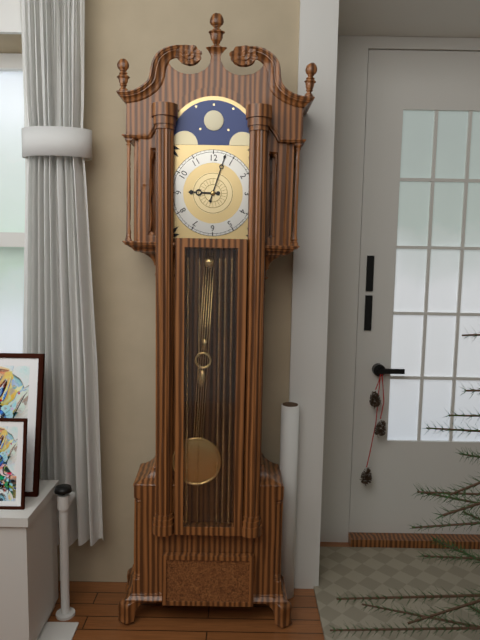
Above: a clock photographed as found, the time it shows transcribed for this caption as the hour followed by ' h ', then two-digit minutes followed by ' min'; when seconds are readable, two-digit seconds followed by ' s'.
9 h 03 min
